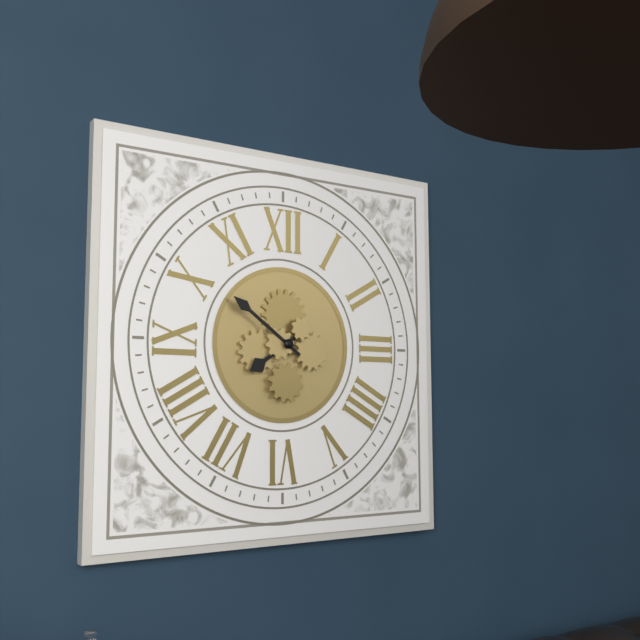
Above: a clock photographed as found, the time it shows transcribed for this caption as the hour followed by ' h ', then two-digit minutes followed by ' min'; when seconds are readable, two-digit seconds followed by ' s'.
7 h 51 min
